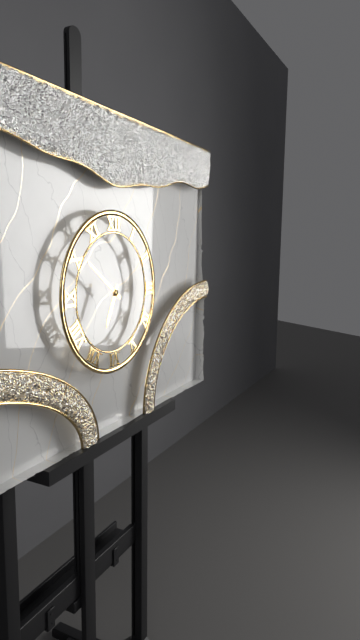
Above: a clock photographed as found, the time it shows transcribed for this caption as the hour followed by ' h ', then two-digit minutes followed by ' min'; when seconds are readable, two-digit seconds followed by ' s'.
6 h 51 min
